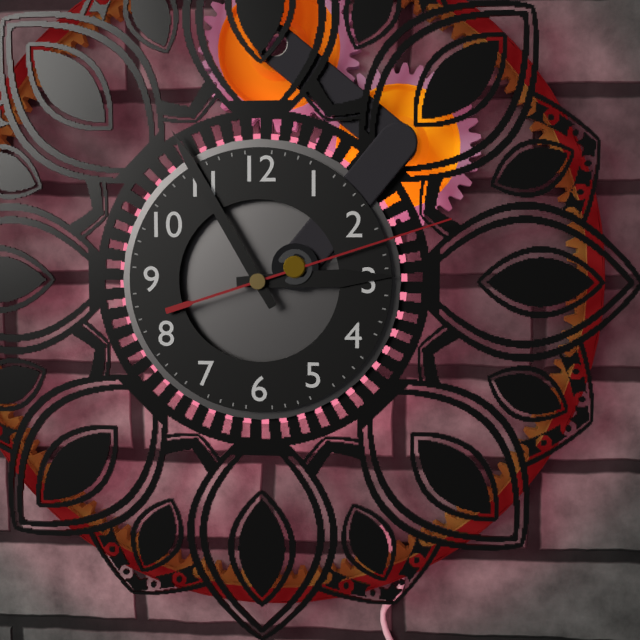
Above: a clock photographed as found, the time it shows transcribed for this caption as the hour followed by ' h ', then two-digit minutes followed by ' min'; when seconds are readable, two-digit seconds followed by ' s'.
2 h 55 min 12 s
